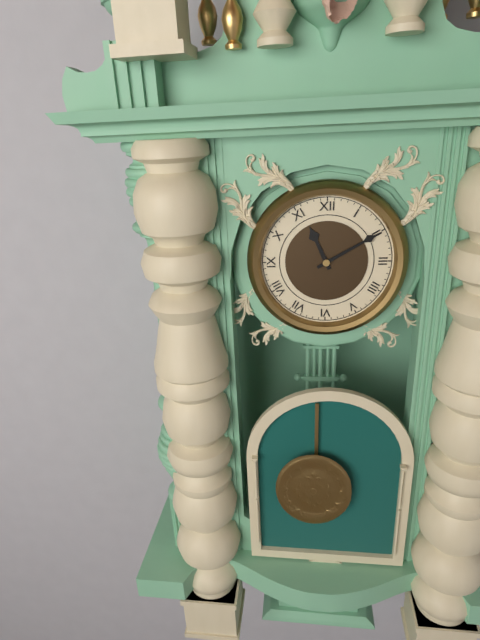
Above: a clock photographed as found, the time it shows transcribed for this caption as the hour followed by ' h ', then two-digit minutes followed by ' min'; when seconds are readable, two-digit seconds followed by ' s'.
11 h 10 min
